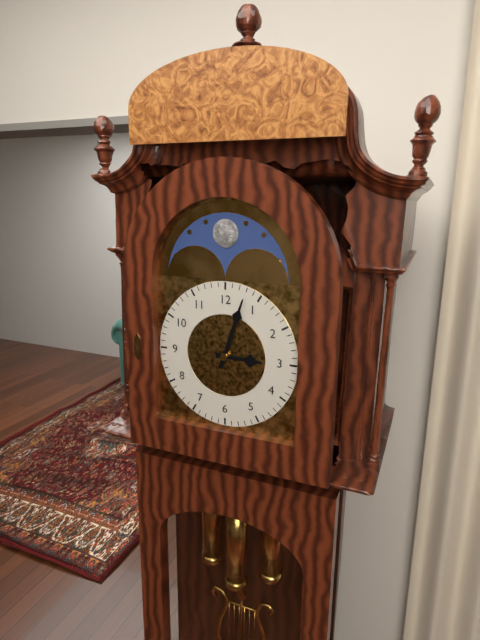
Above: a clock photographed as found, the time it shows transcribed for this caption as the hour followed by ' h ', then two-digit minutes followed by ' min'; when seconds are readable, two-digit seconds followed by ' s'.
3 h 03 min
